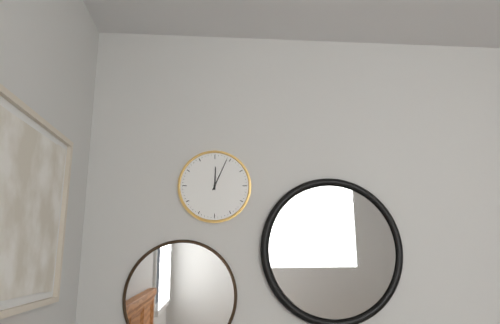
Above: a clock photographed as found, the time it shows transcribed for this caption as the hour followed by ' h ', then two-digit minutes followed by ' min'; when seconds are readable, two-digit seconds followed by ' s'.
12 h 04 min
